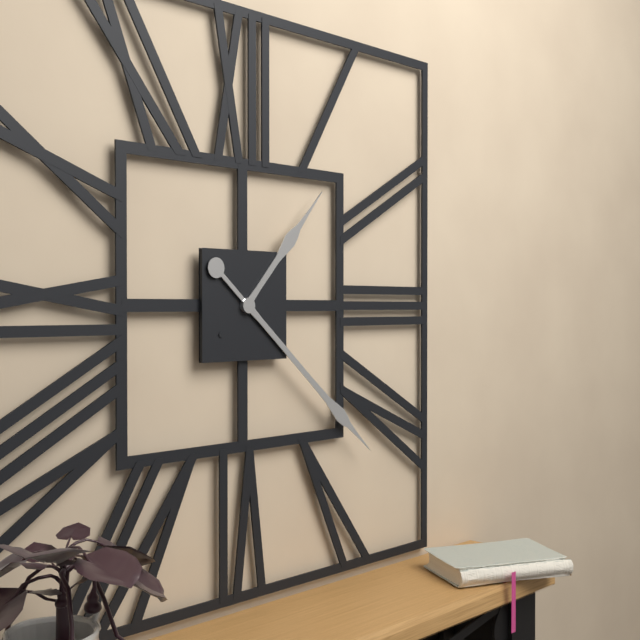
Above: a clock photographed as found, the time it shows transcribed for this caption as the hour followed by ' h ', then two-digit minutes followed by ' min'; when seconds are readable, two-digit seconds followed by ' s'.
1 h 22 min
